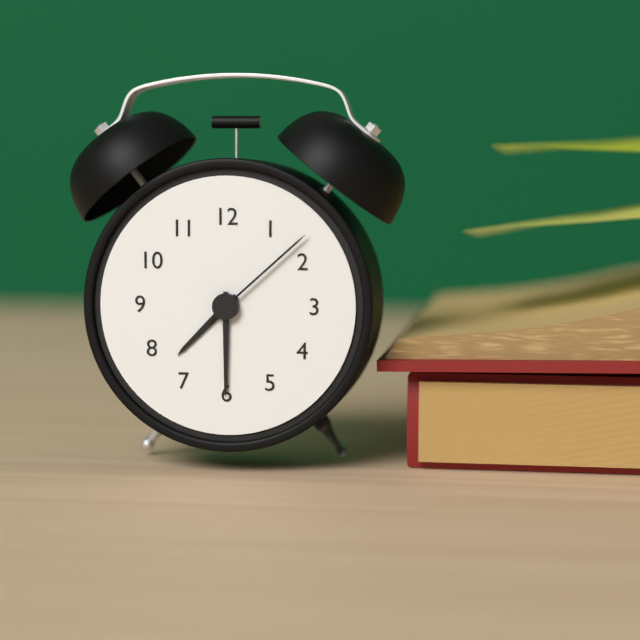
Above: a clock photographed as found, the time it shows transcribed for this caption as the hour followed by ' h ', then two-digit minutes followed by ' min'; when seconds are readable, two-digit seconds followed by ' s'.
7 h 30 min 08 s
